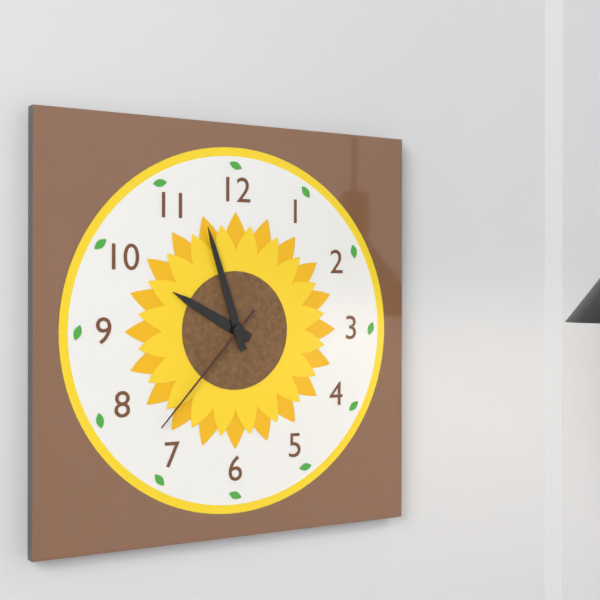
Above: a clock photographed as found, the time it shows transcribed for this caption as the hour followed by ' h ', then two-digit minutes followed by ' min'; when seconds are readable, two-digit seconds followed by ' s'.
9 h 57 min 37 s
